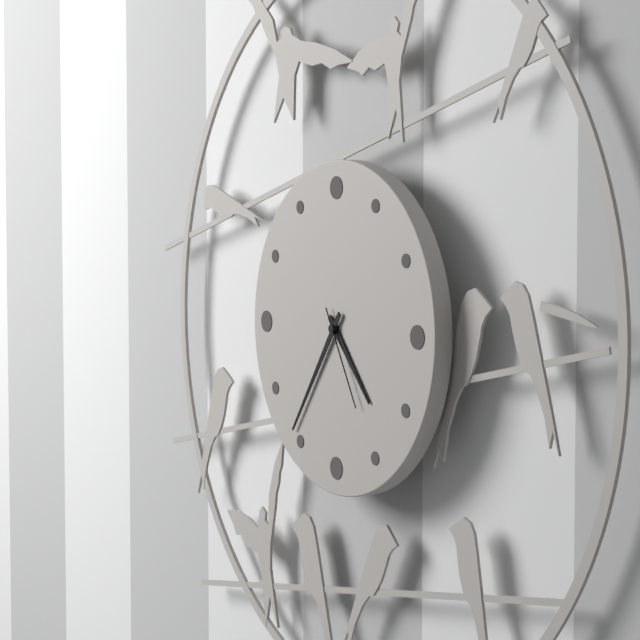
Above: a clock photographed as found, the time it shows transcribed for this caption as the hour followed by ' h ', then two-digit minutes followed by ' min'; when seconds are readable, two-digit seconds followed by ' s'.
4 h 36 min 25 s
